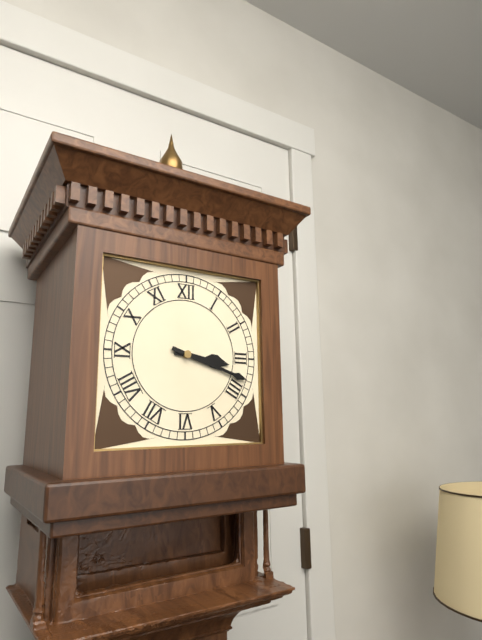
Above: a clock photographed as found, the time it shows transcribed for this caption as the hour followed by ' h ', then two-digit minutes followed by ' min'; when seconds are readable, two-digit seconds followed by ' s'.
3 h 18 min
